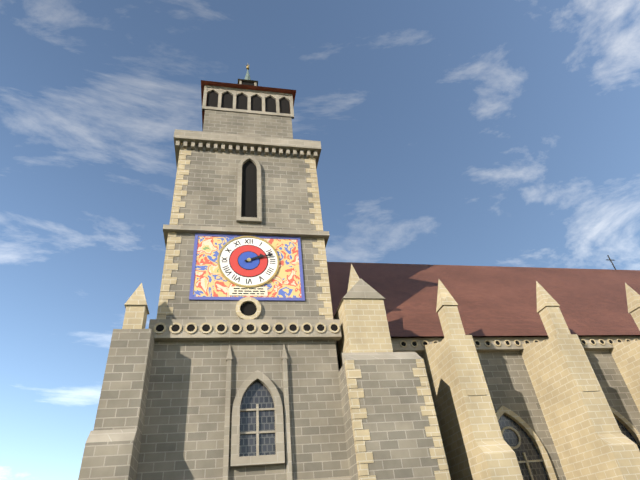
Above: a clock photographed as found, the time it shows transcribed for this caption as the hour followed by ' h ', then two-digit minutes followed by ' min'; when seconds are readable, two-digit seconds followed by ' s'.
2 h 12 min
